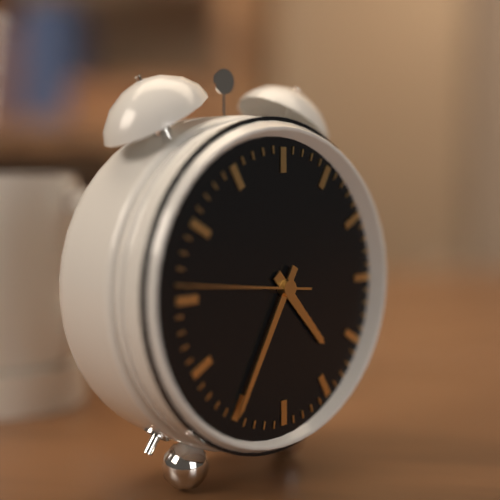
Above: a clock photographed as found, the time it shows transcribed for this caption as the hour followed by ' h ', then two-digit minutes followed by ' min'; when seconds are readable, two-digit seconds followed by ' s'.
4 h 35 min 46 s
